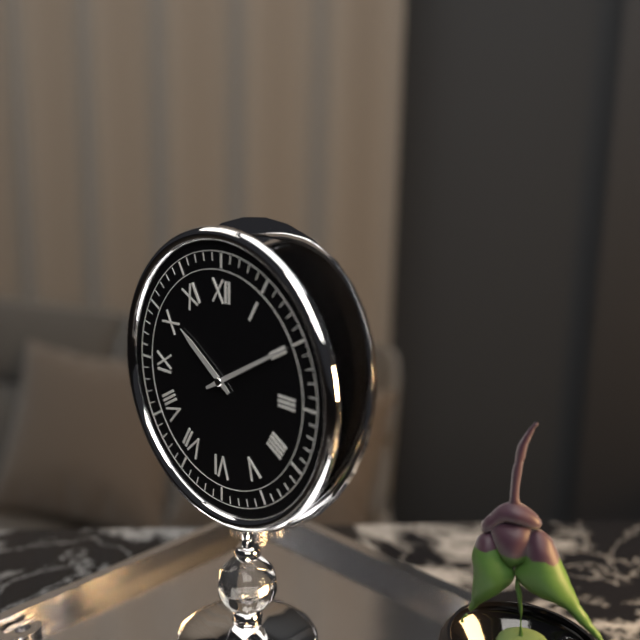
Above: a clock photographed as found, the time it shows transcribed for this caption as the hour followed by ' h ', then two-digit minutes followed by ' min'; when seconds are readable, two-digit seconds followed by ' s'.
10 h 10 min
